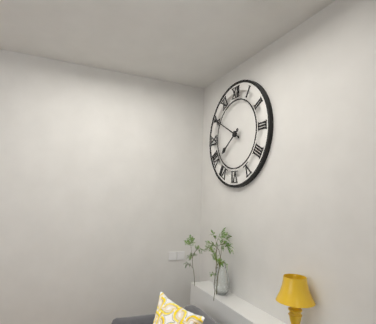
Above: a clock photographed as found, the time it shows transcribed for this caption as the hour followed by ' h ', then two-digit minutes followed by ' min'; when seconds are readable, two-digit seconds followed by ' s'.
7 h 50 min
